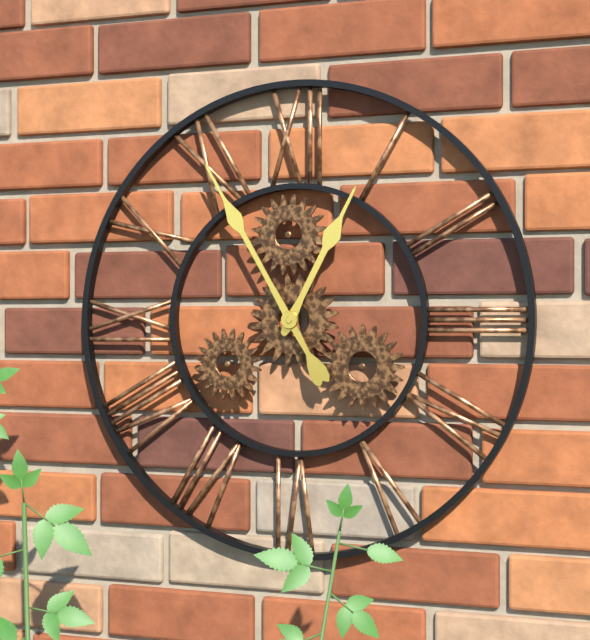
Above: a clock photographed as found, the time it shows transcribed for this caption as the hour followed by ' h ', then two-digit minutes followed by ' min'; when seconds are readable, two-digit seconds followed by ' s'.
12 h 55 min
